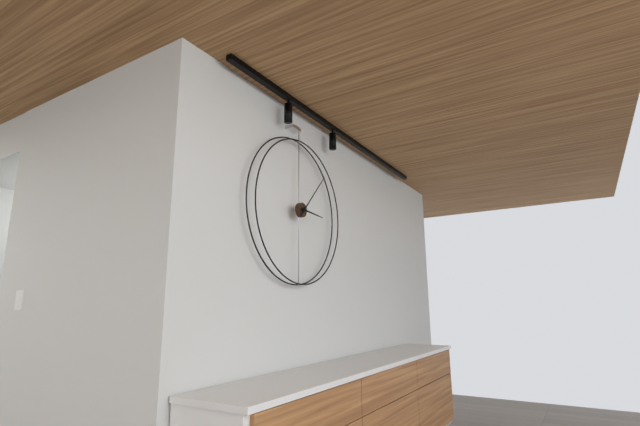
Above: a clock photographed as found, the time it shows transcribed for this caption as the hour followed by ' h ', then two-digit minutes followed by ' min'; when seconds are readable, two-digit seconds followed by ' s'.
3 h 07 min
